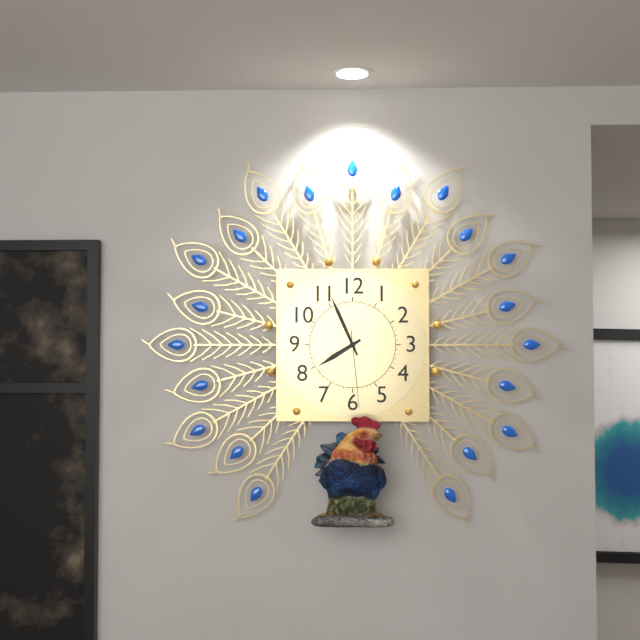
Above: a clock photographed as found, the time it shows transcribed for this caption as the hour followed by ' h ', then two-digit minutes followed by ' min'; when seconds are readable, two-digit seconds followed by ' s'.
7 h 56 min 29 s
